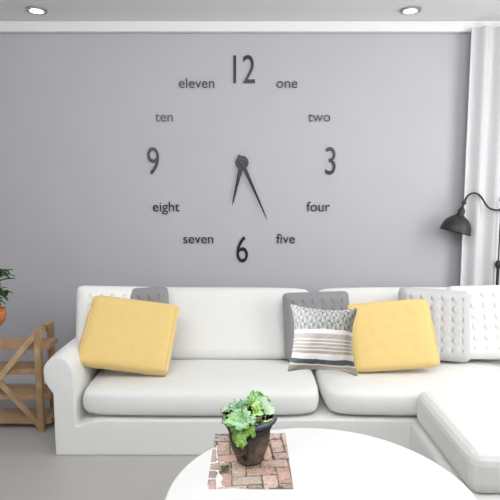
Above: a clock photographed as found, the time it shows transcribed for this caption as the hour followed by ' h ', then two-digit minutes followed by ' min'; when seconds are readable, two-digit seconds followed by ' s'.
6 h 26 min
